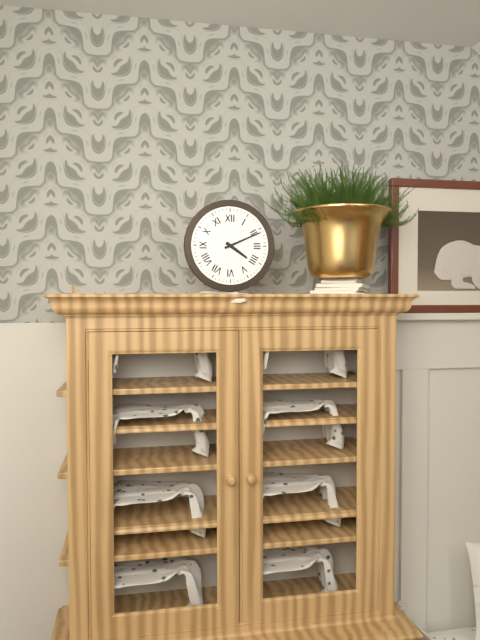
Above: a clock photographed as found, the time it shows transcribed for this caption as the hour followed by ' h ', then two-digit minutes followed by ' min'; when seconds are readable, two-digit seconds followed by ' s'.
4 h 11 min
